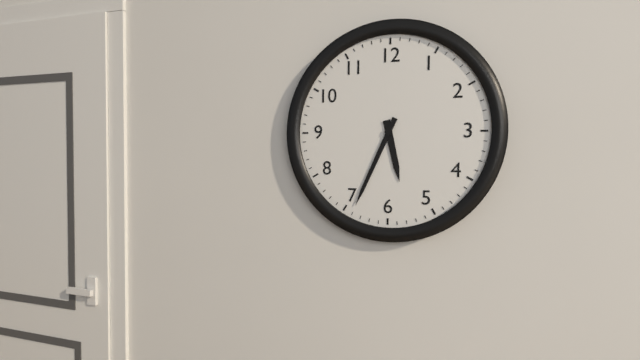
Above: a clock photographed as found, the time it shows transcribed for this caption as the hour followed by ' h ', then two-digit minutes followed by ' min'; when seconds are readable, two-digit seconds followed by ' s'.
5 h 34 min
